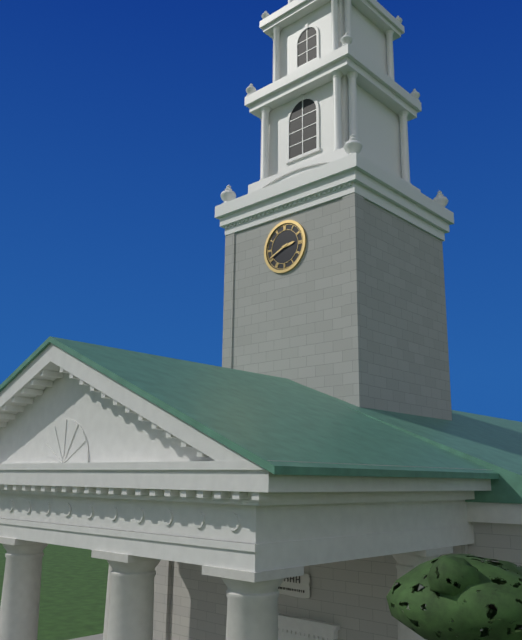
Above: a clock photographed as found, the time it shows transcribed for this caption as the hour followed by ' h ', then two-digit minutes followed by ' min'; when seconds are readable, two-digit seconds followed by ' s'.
2 h 41 min
